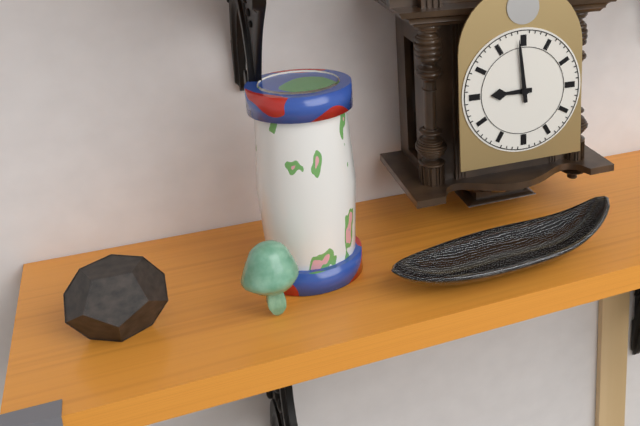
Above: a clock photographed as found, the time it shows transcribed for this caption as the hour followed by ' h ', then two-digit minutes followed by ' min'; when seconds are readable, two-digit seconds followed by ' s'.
8 h 59 min
